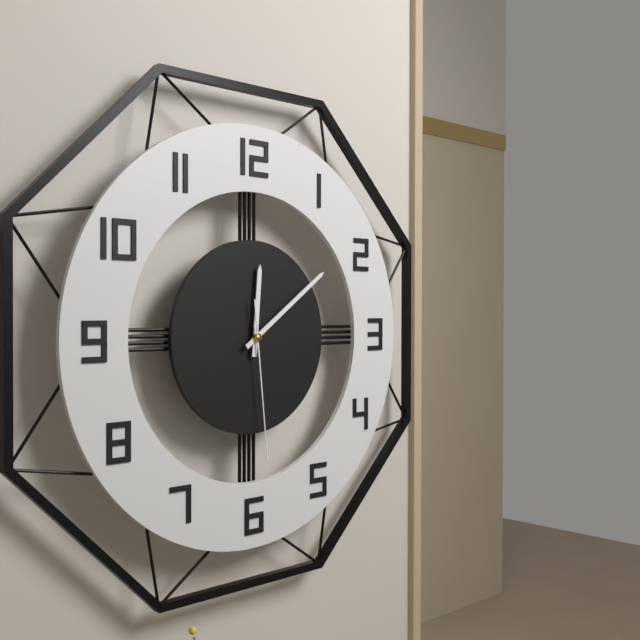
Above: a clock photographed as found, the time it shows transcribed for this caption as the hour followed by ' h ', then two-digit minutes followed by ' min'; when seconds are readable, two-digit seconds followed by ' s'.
12 h 09 min 29 s
